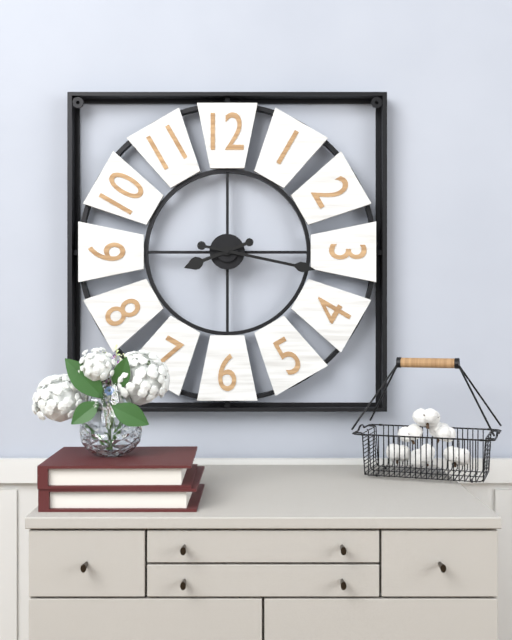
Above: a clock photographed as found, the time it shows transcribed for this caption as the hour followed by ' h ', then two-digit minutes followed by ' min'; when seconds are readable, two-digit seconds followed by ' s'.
8 h 17 min
